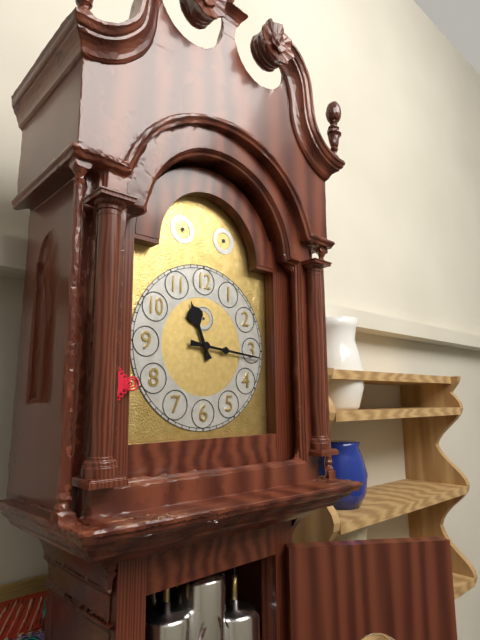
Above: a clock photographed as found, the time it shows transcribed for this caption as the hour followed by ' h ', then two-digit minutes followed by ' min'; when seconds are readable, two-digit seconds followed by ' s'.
11 h 16 min
